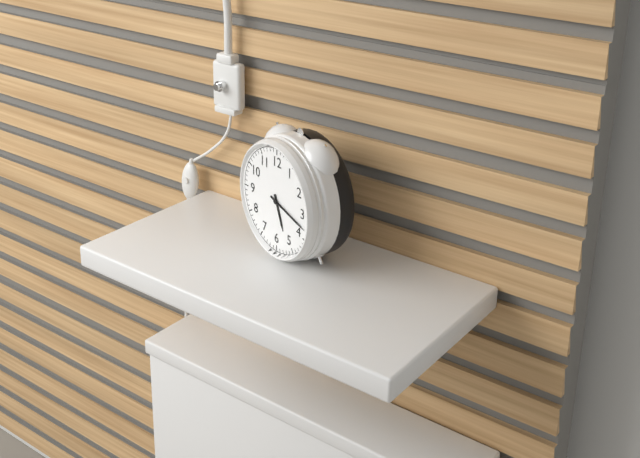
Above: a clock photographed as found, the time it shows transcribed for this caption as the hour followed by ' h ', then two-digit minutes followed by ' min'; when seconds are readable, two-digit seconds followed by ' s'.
5 h 18 min
